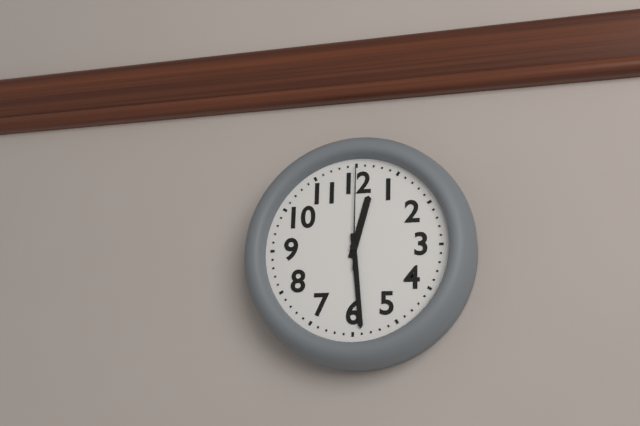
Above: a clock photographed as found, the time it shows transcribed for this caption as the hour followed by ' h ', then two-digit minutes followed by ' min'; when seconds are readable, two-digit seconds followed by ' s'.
12 h 29 min 00 s
